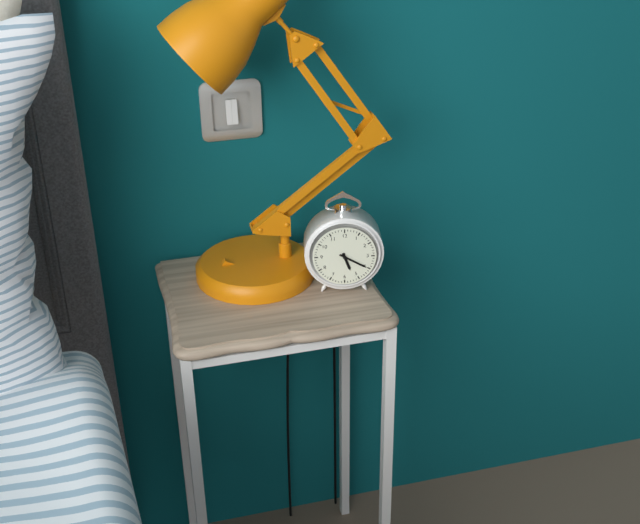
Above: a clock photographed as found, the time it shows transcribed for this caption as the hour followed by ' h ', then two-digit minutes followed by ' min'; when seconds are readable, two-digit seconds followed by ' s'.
5 h 20 min
